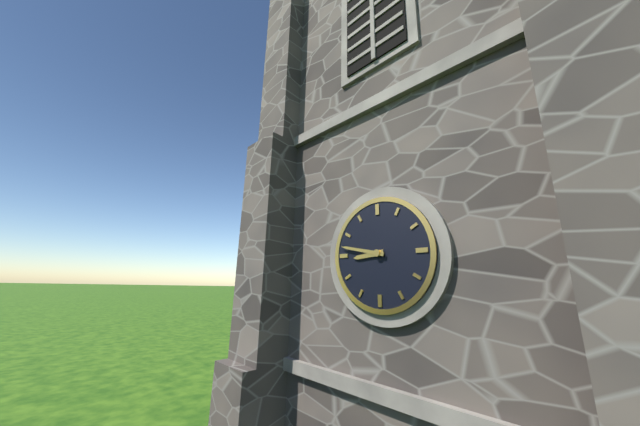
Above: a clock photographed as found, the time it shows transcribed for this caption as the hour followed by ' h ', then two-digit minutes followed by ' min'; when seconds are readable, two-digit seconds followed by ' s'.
8 h 47 min
